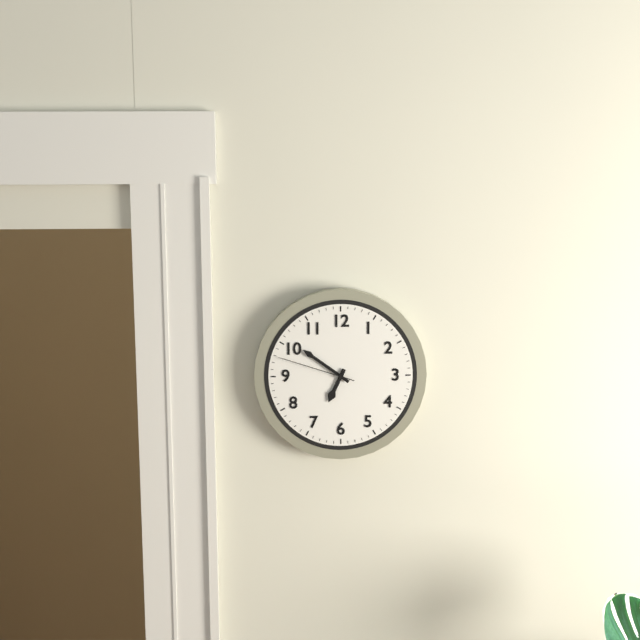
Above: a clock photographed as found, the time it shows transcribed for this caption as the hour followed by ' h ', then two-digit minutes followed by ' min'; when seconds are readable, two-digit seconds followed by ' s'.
6 h 51 min 48 s
